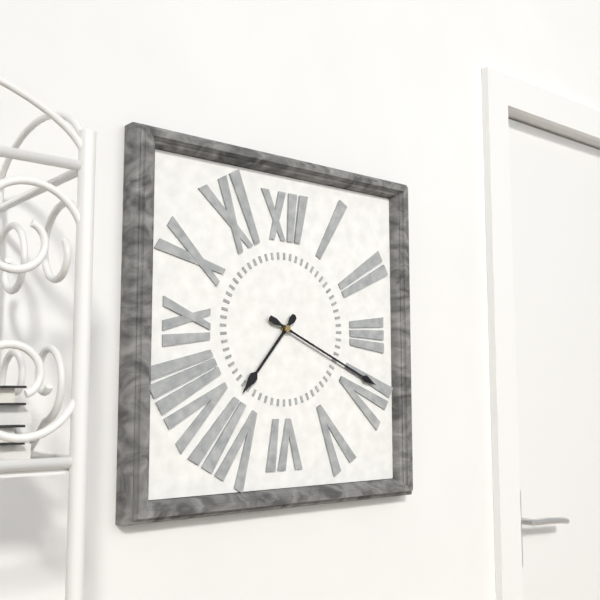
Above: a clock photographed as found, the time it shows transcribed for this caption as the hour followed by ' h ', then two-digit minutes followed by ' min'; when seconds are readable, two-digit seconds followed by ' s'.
7 h 19 min
